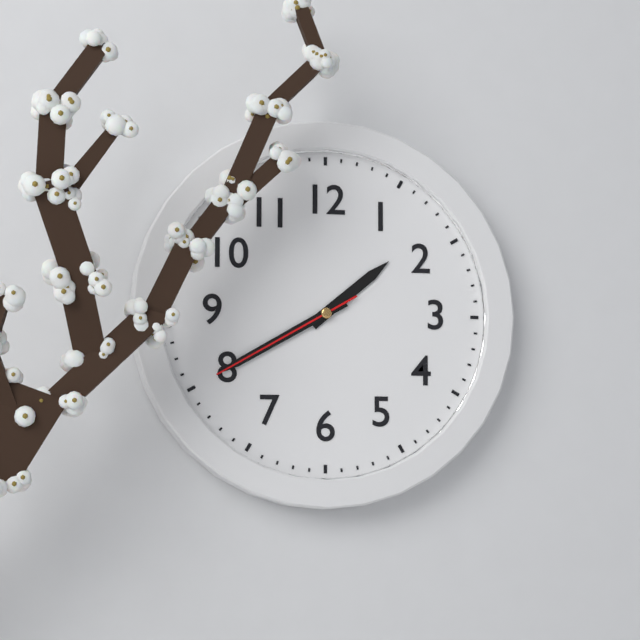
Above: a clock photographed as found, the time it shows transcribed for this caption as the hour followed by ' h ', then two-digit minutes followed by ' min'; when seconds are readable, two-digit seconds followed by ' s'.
1 h 40 min 40 s
